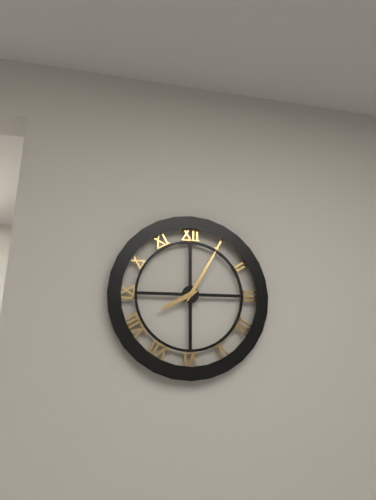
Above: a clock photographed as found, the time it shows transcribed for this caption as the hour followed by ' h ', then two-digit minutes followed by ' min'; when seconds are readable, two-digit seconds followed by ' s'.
8 h 05 min
